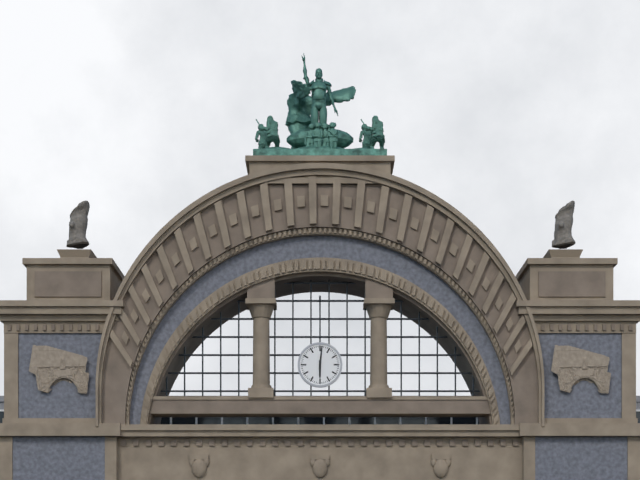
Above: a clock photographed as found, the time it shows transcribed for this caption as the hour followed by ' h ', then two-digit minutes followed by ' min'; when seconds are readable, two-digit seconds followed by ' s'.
6 h 01 min
